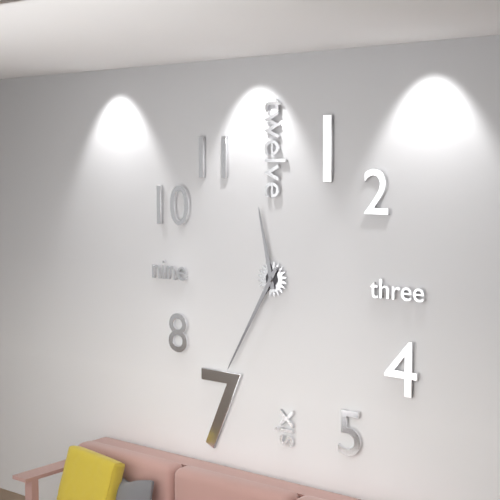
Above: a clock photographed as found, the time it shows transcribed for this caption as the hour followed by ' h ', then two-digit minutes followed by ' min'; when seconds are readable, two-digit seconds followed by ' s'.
11 h 35 min
